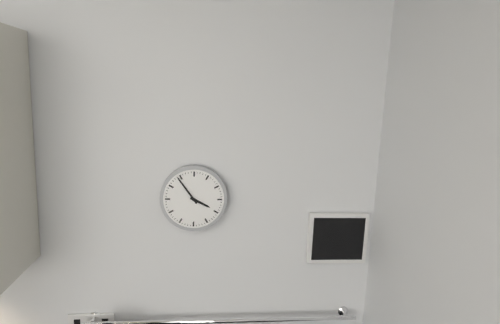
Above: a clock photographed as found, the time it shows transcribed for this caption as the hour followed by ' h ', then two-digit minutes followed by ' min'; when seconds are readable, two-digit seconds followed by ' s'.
3 h 54 min
